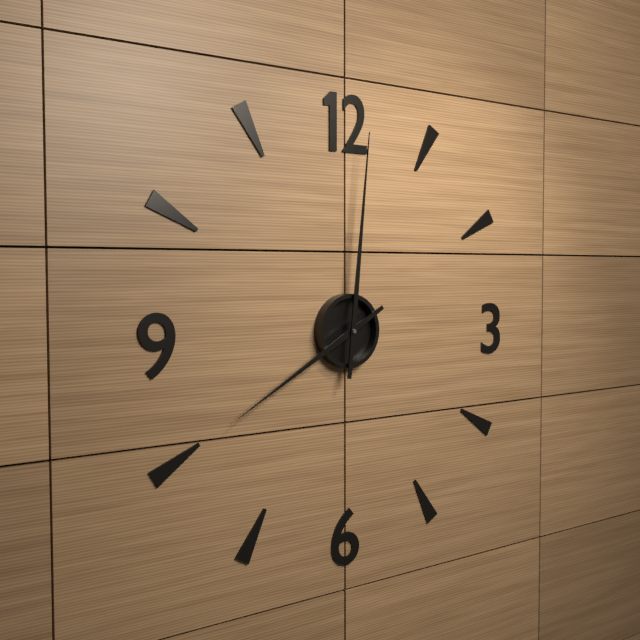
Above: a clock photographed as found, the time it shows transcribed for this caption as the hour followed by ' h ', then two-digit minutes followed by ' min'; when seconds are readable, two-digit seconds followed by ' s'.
8 h 01 min
